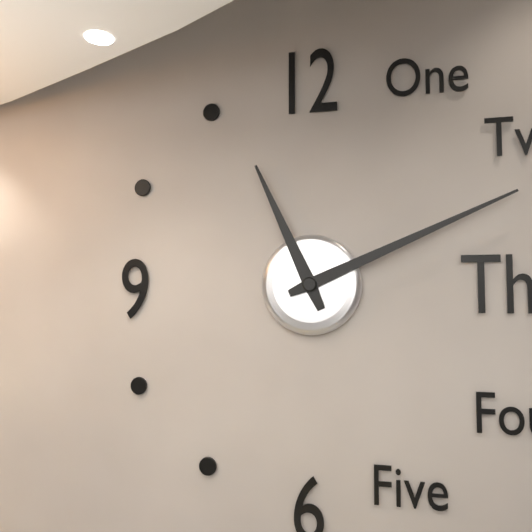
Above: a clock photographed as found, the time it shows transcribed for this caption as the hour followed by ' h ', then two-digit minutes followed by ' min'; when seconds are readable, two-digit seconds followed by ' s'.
11 h 11 min
